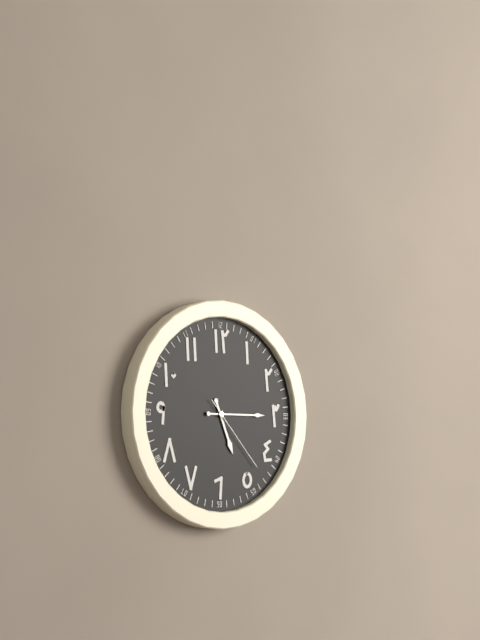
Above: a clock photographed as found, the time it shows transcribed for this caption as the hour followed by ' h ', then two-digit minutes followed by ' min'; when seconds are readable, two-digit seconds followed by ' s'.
5 h 15 min 23 s
